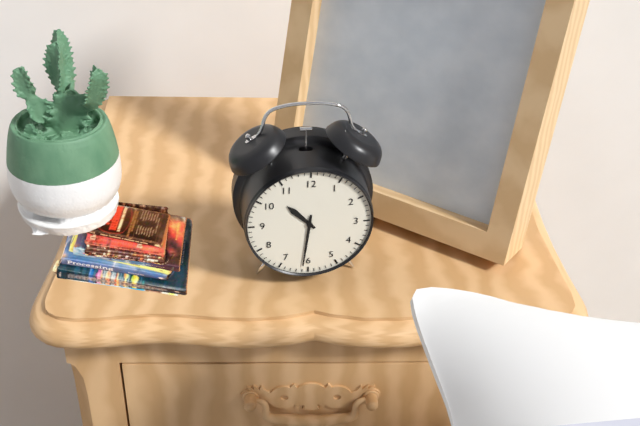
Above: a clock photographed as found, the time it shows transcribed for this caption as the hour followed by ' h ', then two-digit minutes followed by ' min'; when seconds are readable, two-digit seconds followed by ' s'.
10 h 31 min
